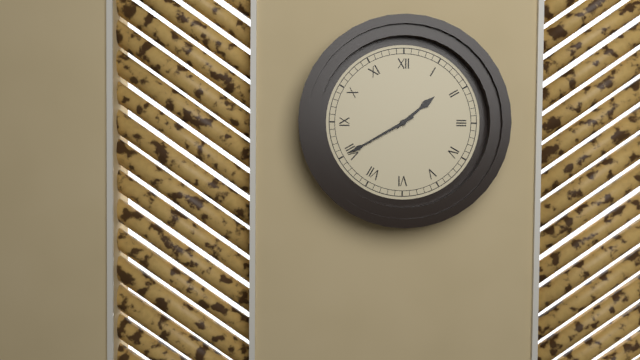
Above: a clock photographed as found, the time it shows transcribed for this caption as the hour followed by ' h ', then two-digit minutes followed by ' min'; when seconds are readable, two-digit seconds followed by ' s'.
1 h 40 min
